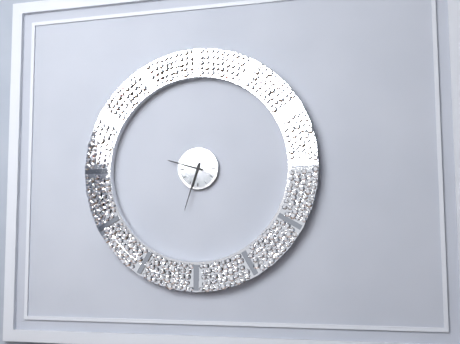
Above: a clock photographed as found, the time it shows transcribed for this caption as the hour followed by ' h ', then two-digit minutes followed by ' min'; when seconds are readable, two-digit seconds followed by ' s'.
9 h 33 min
